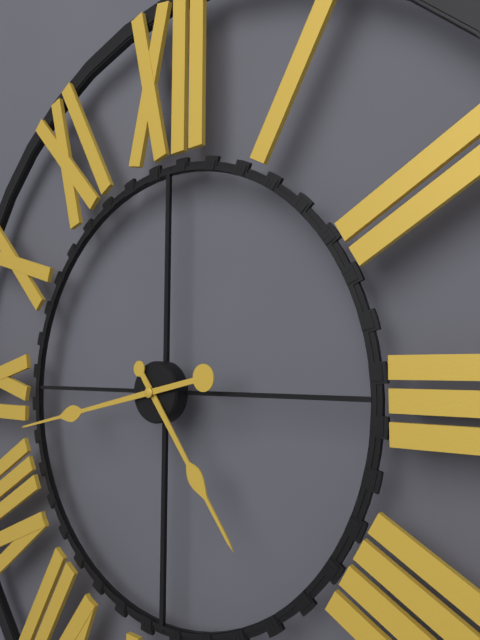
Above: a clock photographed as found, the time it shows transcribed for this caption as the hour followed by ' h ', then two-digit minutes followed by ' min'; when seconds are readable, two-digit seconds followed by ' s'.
4 h 43 min
